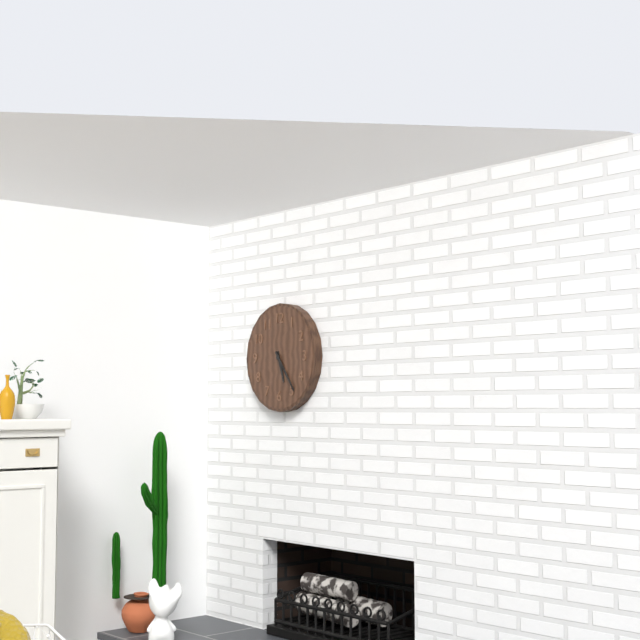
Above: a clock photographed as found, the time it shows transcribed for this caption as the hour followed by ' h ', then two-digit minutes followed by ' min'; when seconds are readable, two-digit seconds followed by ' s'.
5 h 24 min
